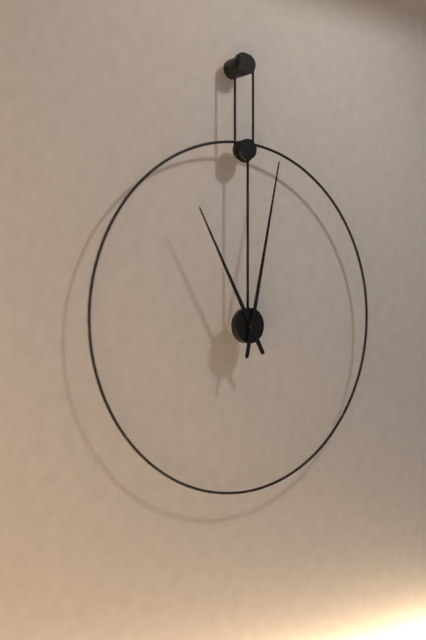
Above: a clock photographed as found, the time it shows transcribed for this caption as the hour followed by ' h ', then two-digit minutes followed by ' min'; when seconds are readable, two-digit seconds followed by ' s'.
11 h 02 min
